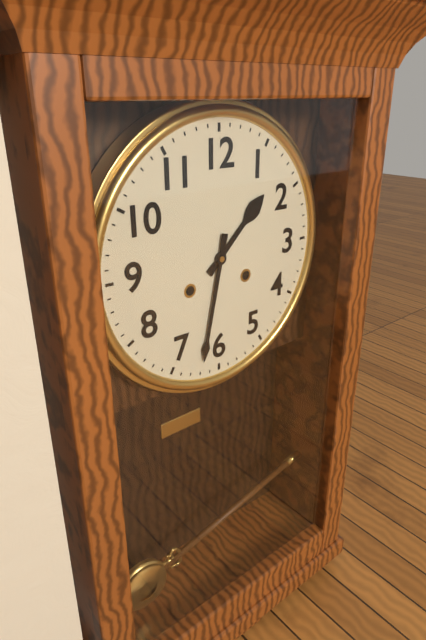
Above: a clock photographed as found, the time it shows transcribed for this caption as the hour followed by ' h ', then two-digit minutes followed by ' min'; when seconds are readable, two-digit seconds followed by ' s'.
1 h 32 min
